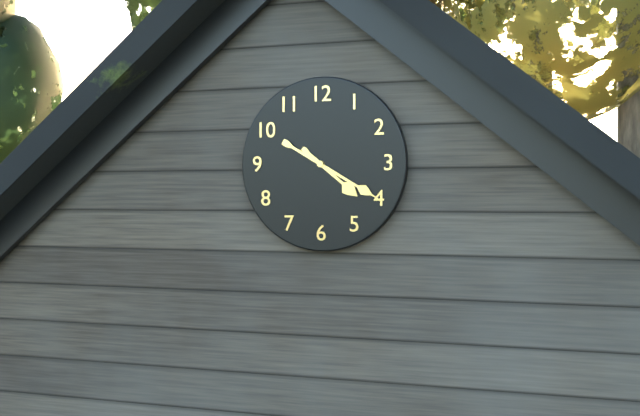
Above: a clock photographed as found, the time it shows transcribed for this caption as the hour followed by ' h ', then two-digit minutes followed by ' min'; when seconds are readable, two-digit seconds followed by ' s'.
4 h 20 min
